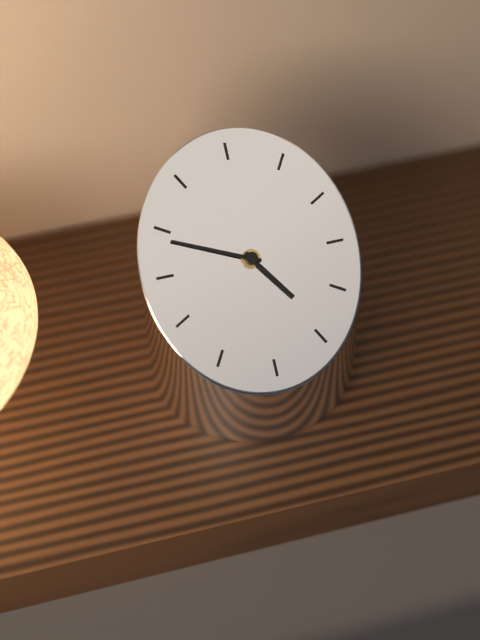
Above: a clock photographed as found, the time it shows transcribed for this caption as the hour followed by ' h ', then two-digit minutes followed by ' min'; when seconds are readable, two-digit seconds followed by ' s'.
4 h 49 min
